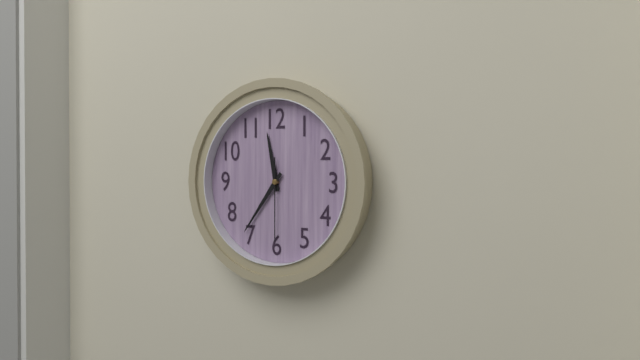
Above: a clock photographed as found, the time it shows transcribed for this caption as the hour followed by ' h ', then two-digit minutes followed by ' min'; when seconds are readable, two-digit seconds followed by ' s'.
11 h 36 min 30 s
